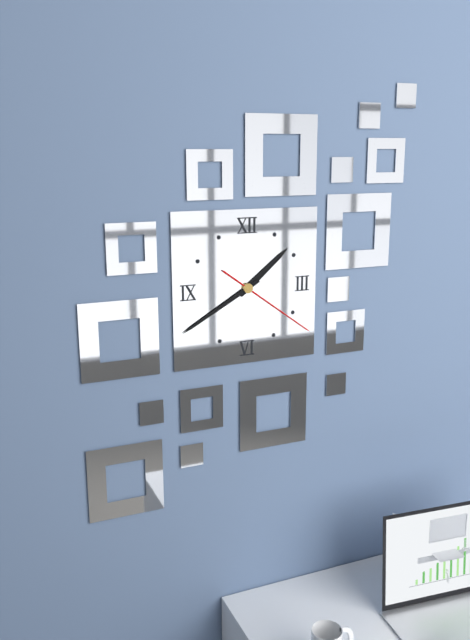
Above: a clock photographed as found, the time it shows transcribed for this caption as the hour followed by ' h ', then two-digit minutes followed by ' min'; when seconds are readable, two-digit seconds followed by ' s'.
1 h 40 min 21 s
